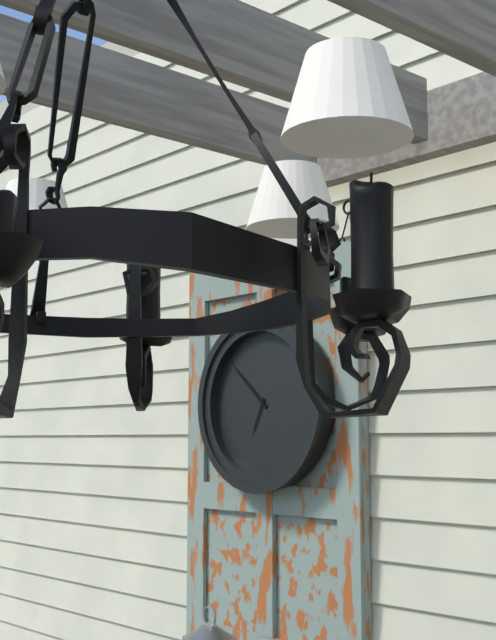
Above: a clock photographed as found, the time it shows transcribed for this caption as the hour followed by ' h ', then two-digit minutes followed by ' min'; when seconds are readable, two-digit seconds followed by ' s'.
6 h 52 min
